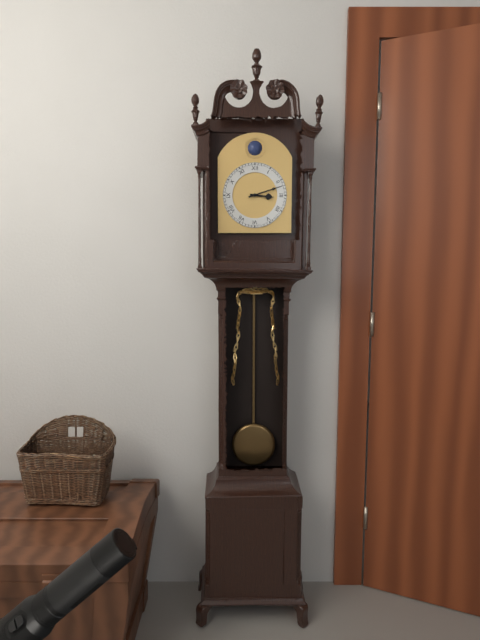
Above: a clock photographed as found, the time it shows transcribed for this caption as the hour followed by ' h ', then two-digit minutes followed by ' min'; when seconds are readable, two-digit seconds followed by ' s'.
3 h 12 min
